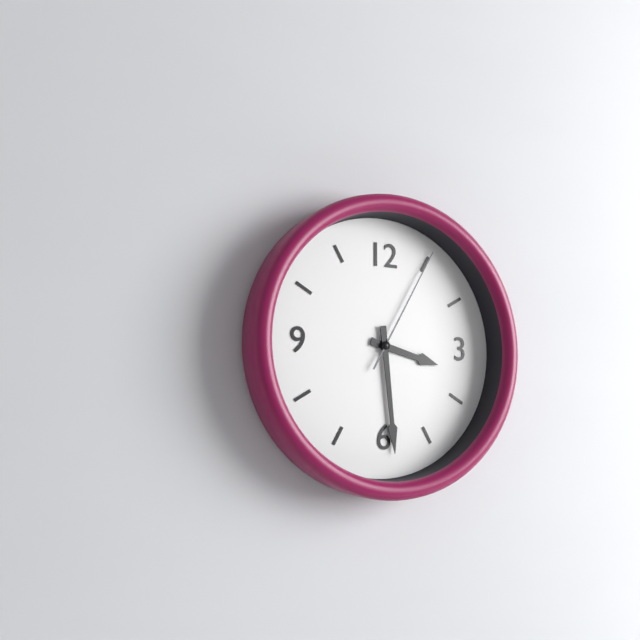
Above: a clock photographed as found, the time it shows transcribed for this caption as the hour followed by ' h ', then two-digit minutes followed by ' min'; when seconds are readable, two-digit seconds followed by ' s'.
3 h 29 min 05 s
